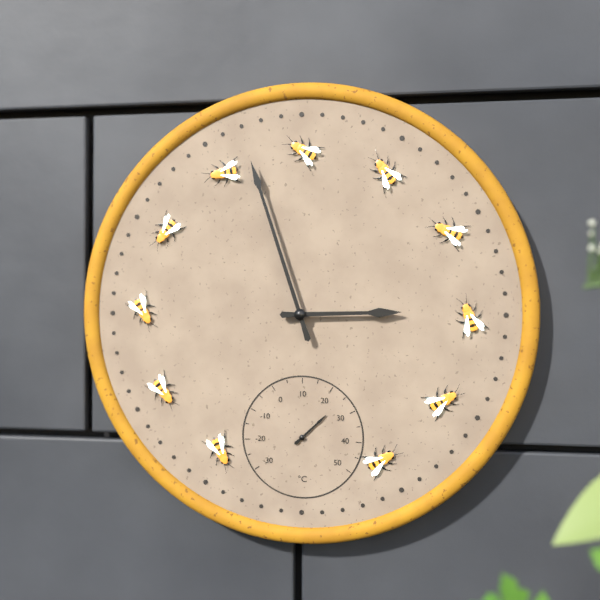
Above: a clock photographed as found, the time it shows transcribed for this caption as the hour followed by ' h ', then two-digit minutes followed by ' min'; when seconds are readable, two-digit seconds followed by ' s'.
2 h 57 min
